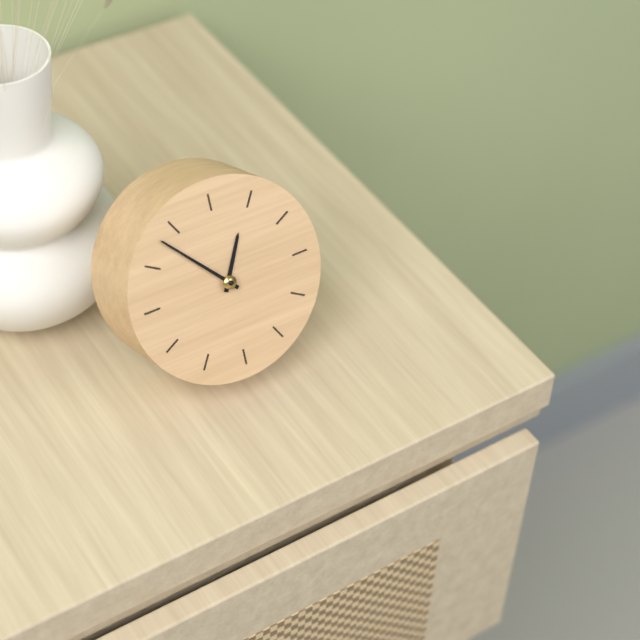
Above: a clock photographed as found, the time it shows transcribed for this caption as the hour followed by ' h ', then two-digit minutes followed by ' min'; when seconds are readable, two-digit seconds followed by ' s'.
12 h 53 min
